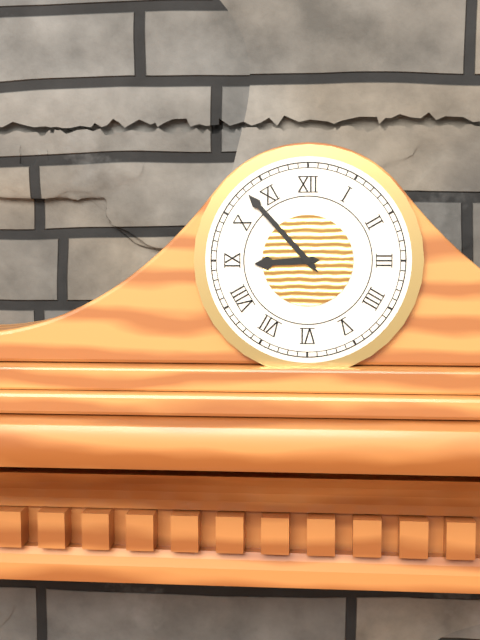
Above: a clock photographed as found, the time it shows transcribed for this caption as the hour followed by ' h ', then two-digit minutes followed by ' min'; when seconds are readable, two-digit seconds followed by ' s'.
8 h 53 min
